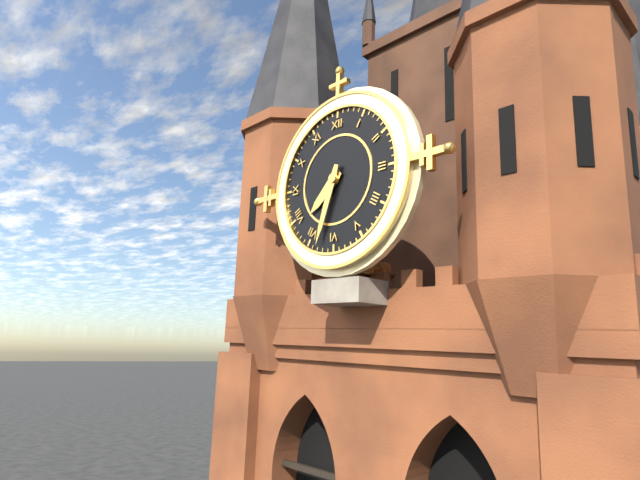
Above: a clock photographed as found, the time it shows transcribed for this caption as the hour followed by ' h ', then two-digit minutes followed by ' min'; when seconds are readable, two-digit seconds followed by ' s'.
7 h 33 min
